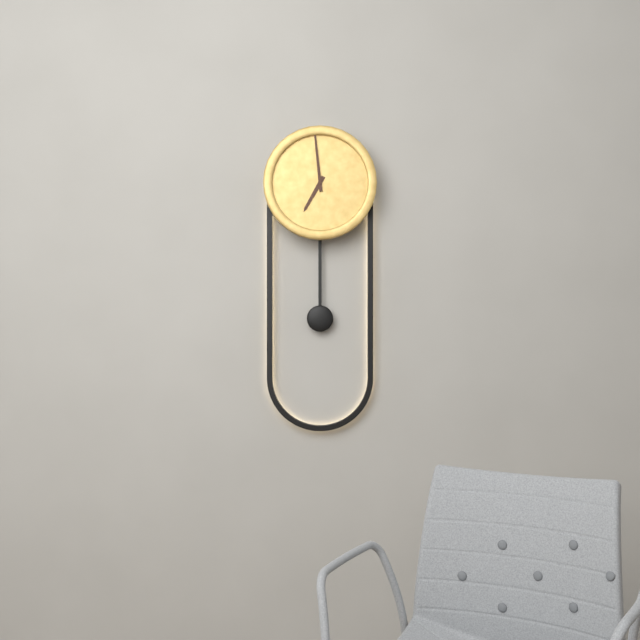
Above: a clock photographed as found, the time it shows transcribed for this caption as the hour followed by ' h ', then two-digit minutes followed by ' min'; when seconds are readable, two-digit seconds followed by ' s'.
6 h 59 min
